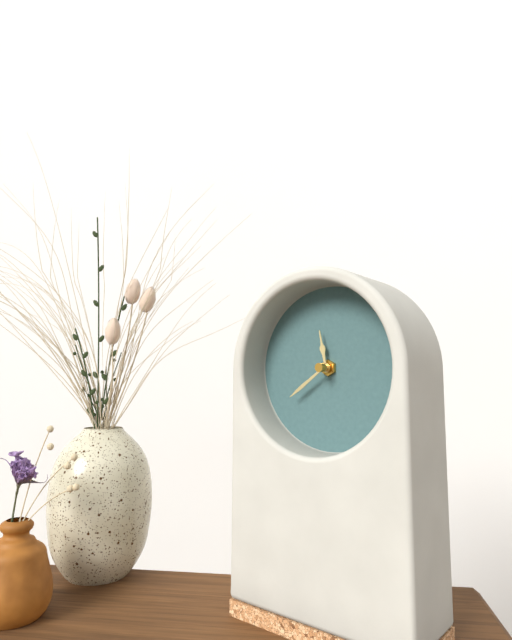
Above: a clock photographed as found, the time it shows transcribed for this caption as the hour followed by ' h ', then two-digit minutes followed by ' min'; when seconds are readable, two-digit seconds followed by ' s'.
11 h 39 min
